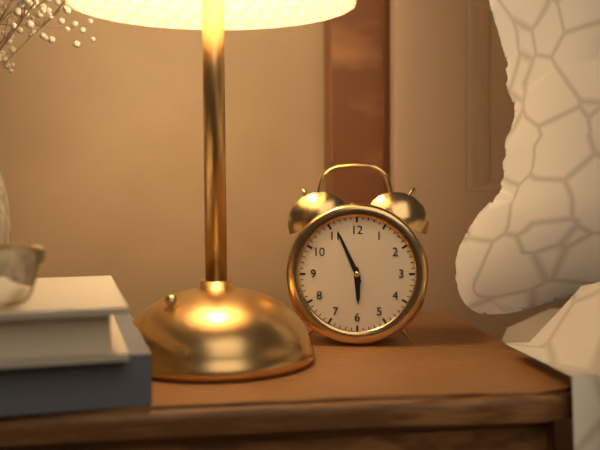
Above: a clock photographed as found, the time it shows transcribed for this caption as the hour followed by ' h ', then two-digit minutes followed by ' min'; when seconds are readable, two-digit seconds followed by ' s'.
5 h 56 min
